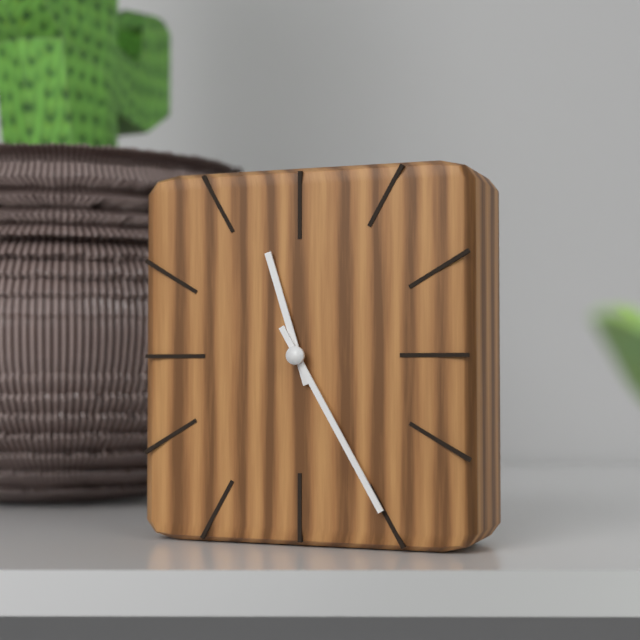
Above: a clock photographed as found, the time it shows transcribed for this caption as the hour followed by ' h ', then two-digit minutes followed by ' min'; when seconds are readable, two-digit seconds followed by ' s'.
11 h 25 min
